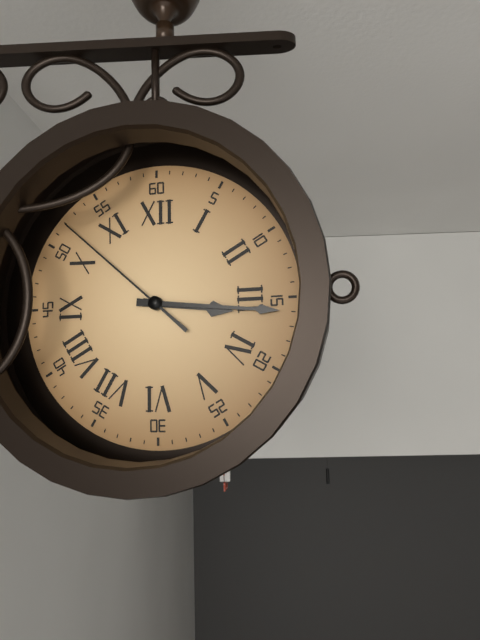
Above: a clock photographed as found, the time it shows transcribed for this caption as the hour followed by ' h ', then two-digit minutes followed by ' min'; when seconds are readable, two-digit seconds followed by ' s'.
3 h 16 min 52 s
